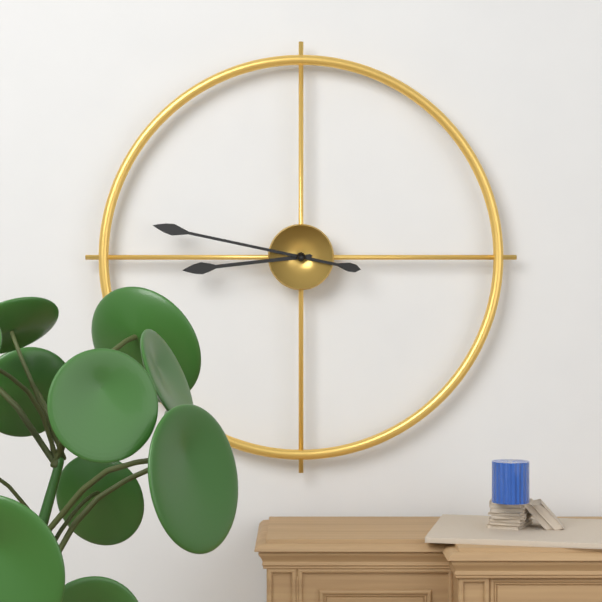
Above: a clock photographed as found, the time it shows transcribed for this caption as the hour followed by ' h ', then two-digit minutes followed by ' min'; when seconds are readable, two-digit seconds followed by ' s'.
8 h 47 min
